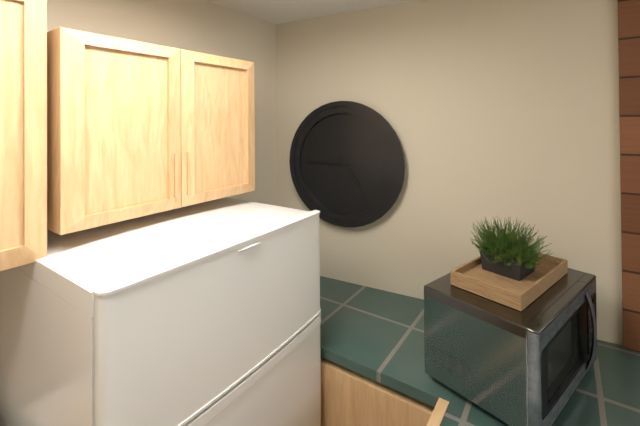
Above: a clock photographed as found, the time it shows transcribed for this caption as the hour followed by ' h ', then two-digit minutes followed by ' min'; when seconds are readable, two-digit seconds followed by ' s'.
4 h 45 min
